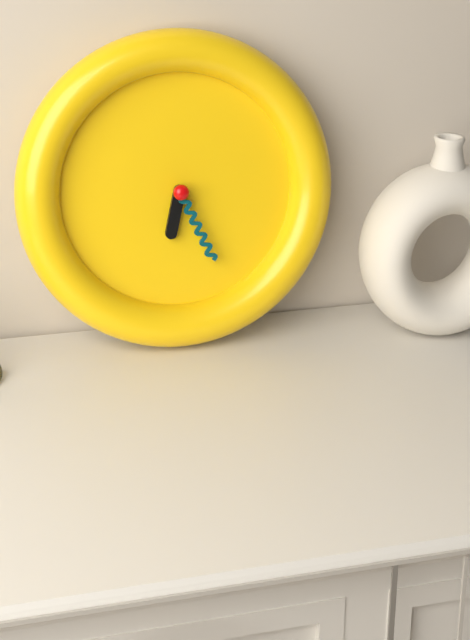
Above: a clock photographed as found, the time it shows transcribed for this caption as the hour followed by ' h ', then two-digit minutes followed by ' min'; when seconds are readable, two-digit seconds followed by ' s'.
6 h 26 min
